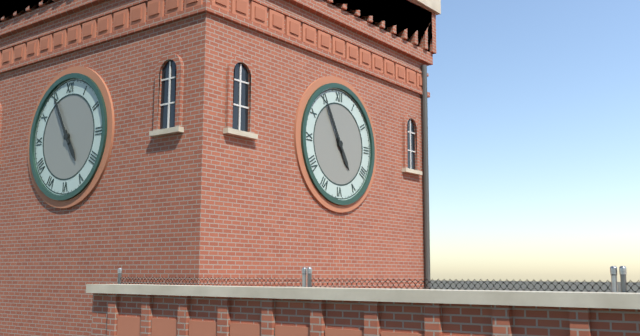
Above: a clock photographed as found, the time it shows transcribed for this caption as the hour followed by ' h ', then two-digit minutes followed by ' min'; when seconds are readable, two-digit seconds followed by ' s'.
4 h 55 min
